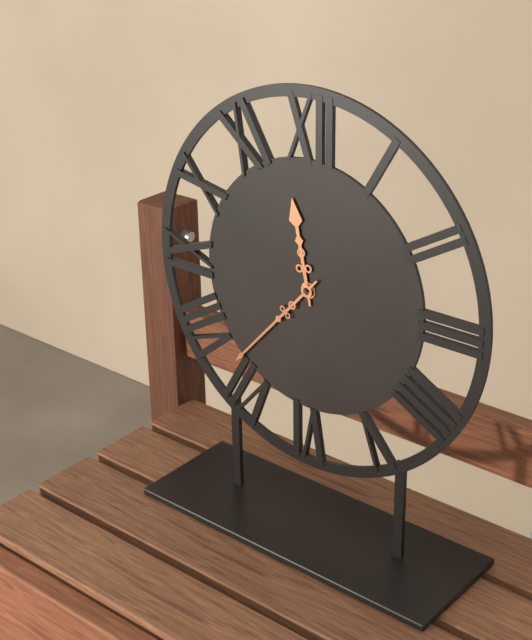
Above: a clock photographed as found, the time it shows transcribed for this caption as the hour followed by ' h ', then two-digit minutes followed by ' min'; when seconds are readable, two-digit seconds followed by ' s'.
11 h 37 min
